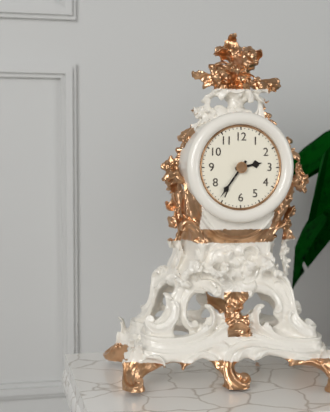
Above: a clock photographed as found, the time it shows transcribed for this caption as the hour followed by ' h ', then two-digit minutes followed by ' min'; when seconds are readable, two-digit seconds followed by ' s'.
2 h 36 min
